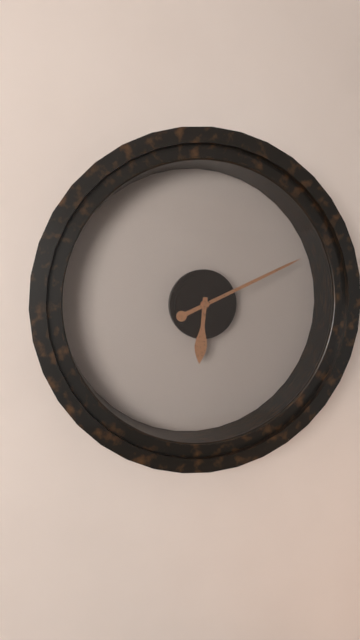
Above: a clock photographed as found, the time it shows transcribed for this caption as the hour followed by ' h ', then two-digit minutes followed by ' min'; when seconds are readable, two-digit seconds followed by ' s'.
6 h 11 min
